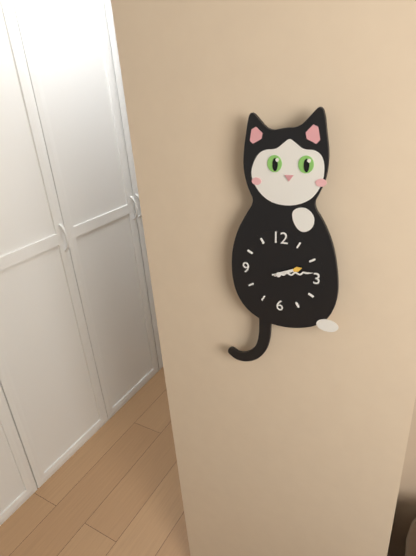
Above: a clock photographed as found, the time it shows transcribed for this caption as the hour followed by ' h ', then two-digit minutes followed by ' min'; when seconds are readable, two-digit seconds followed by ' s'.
2 h 13 min
